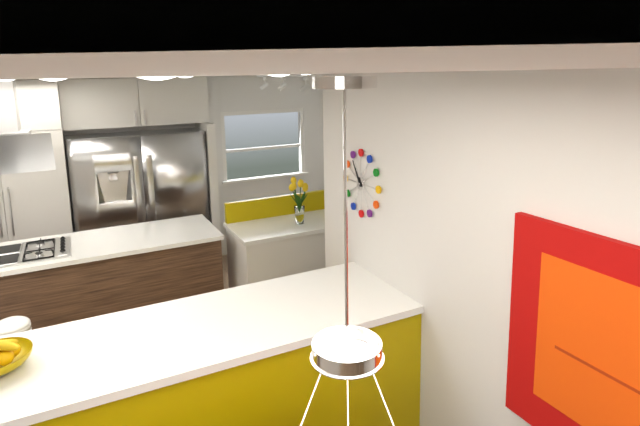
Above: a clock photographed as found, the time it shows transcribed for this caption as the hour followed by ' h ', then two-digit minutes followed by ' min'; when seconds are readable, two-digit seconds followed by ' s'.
10 h 55 min
